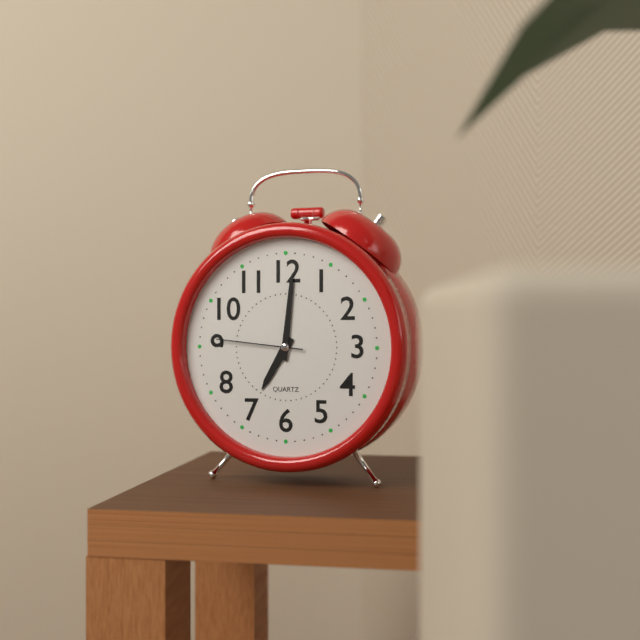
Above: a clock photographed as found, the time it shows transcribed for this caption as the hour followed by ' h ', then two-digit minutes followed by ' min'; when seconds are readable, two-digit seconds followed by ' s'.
7 h 01 min 46 s
